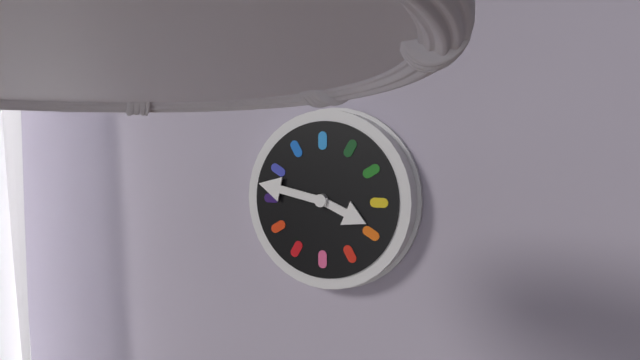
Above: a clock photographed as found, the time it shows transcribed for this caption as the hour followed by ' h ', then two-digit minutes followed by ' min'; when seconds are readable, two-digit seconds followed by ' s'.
3 h 47 min
